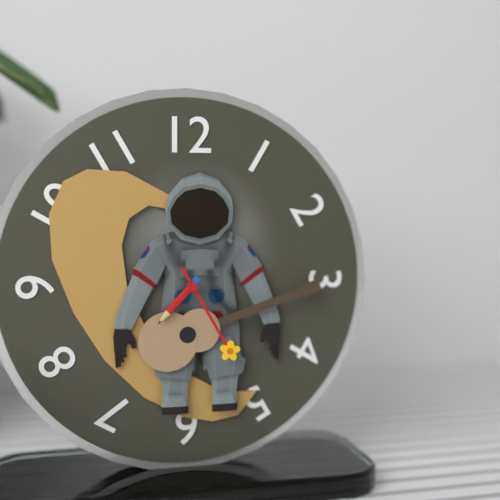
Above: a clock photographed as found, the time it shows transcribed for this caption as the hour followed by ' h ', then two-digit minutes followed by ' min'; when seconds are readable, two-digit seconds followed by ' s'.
7 h 25 min
